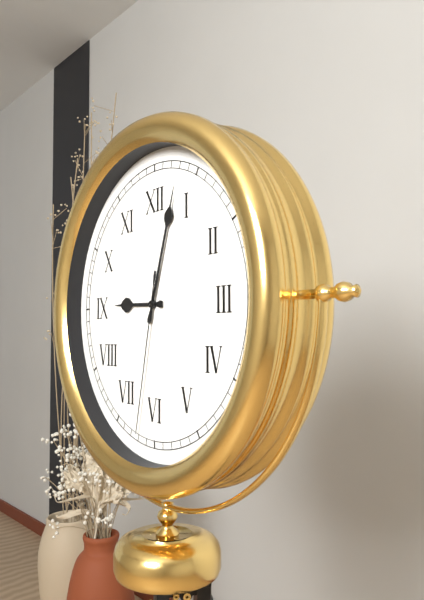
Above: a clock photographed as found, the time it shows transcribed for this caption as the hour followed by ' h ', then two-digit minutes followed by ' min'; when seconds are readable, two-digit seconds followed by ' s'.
9 h 03 min 32 s
